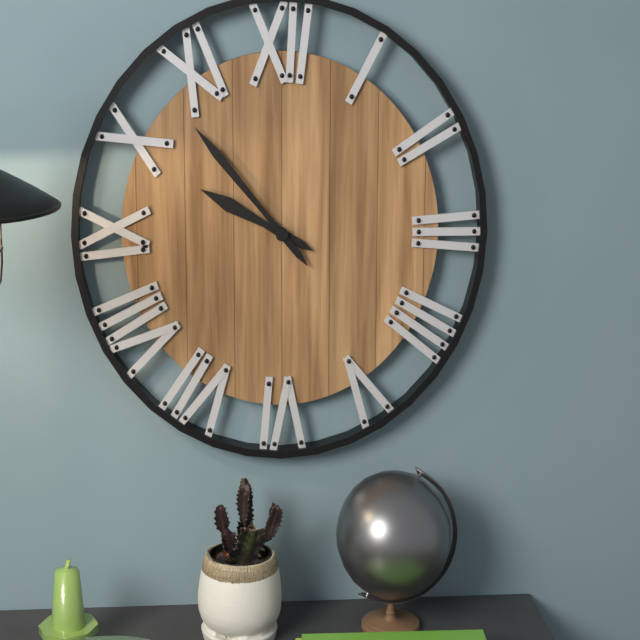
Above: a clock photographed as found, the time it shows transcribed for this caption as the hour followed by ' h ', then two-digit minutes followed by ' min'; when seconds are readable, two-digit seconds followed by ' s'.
9 h 53 min
